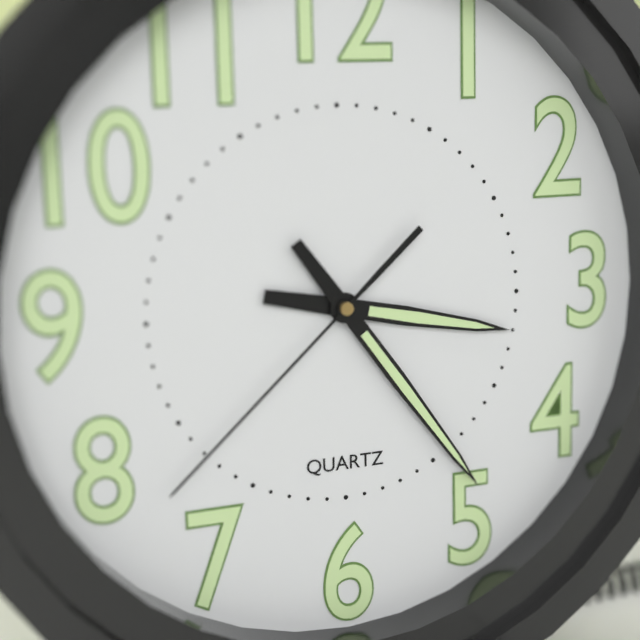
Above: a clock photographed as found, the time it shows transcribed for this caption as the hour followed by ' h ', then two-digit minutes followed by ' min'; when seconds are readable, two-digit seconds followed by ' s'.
3 h 24 min 38 s
